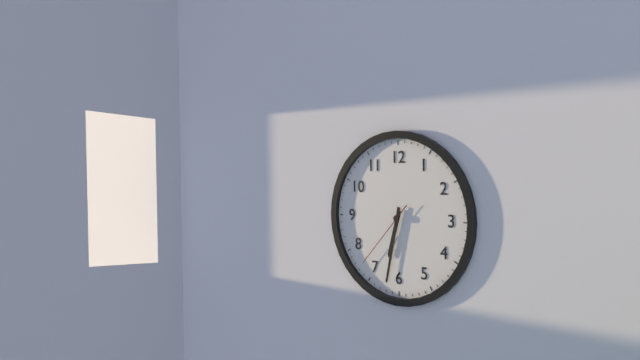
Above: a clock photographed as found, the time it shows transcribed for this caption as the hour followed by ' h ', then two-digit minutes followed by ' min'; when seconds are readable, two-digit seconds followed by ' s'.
6 h 32 min 37 s
